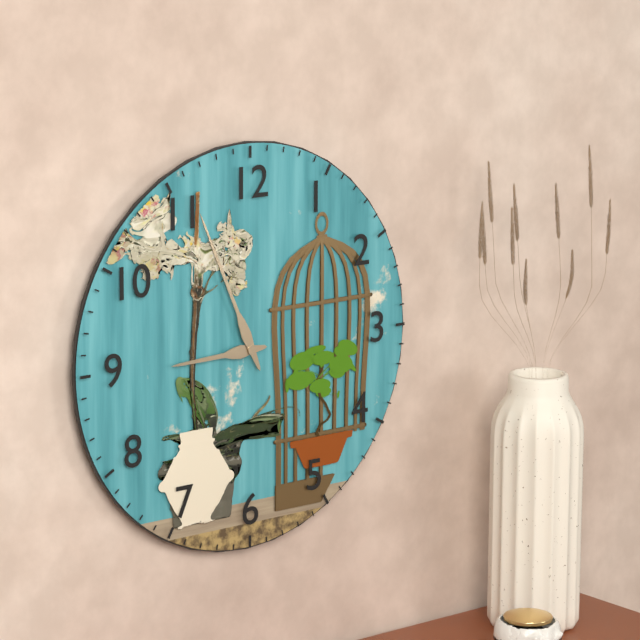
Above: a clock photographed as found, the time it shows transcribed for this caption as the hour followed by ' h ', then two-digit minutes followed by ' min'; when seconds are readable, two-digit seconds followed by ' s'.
8 h 56 min
